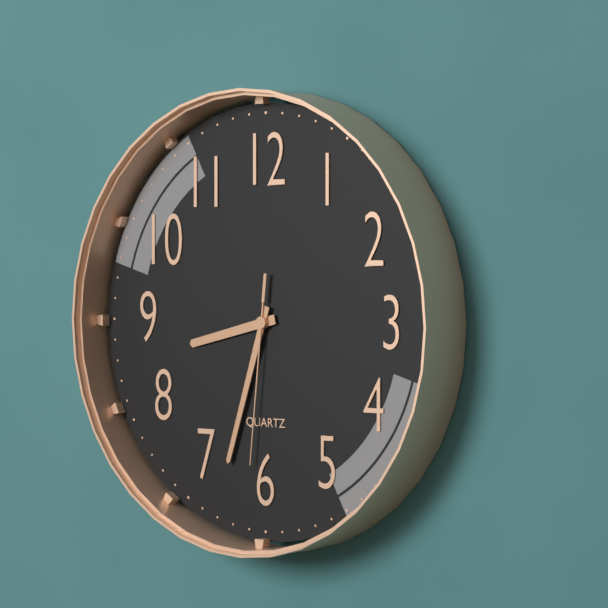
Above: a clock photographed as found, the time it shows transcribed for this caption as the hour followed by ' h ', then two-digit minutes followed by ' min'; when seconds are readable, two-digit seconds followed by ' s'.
8 h 33 min 31 s
